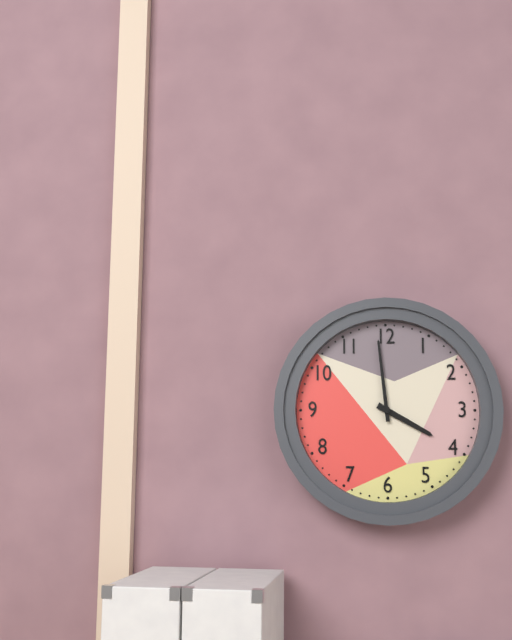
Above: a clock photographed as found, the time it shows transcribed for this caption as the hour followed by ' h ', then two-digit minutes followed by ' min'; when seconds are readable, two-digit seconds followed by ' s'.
3 h 59 min
